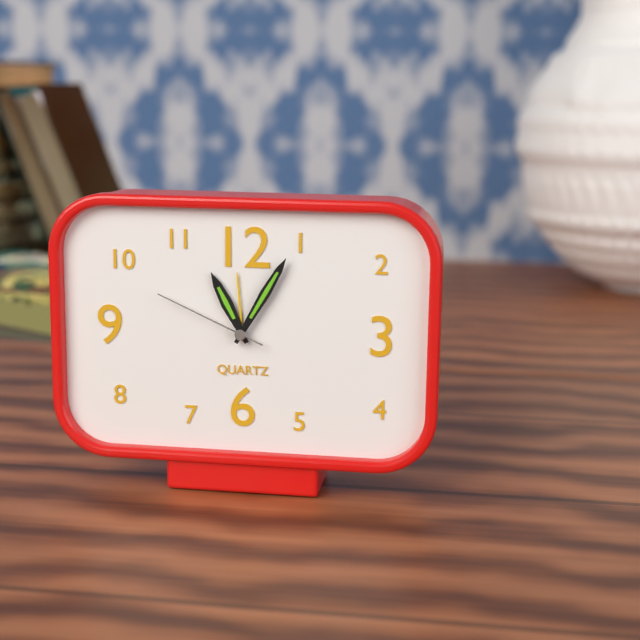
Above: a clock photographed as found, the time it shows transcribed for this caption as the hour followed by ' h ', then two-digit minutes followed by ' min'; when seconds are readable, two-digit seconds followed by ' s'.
11 h 05 min 49 s
